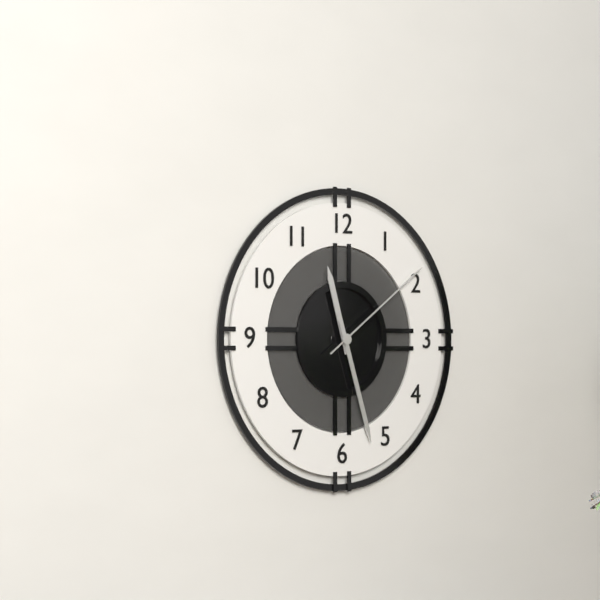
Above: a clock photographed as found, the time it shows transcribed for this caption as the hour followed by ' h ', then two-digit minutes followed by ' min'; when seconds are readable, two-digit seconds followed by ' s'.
11 h 27 min 09 s
